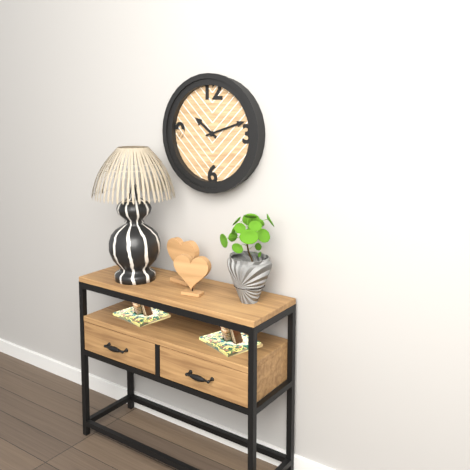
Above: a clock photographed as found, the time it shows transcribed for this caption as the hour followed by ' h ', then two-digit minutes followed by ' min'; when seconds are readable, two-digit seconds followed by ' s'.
10 h 12 min
